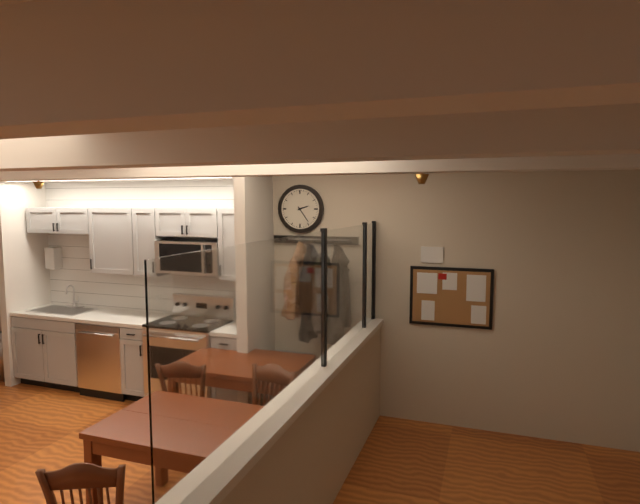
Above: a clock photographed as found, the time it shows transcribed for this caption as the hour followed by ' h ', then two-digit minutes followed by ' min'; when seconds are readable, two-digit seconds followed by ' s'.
2 h 24 min
